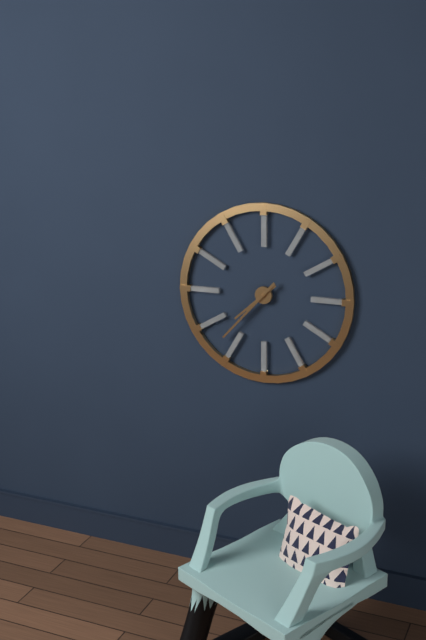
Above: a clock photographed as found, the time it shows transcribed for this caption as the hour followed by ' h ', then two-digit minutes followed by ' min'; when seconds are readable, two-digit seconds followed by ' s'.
7 h 37 min
